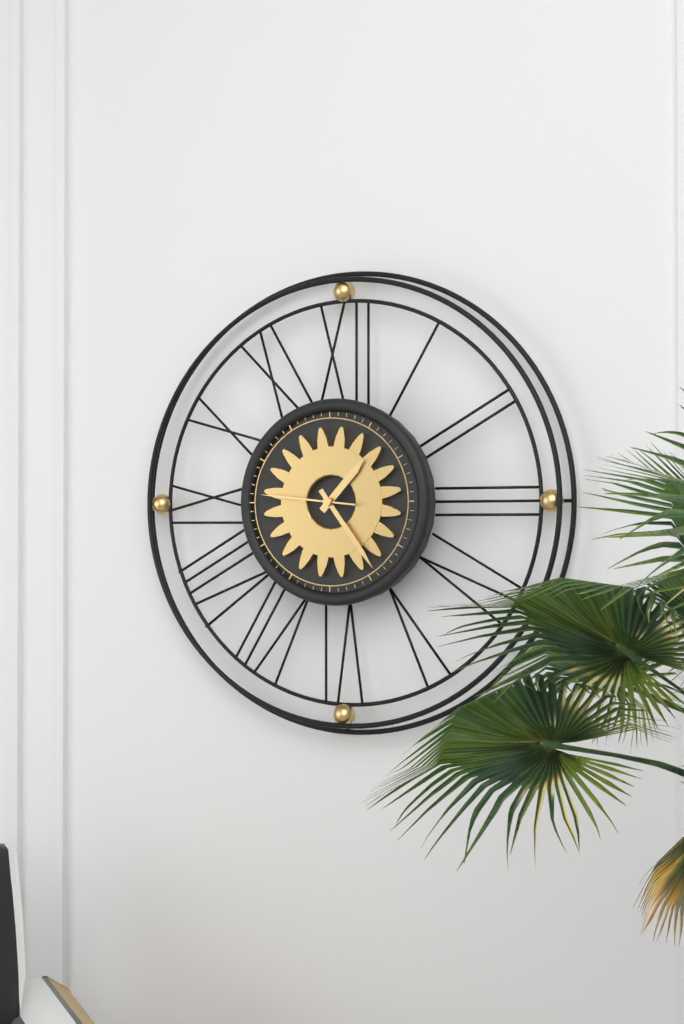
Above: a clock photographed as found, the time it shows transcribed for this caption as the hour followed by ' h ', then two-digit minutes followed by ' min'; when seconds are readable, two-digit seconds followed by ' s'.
1 h 24 min 46 s
